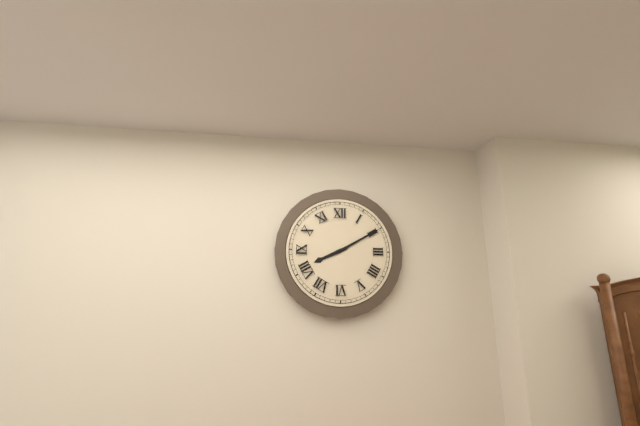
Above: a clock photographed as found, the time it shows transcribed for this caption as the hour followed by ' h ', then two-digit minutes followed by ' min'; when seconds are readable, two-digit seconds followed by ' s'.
8 h 10 min
